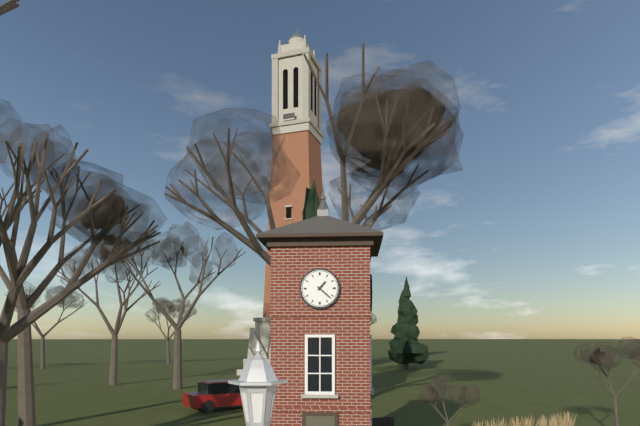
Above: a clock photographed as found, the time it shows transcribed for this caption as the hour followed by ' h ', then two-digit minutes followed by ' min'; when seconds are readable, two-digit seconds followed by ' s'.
1 h 22 min
